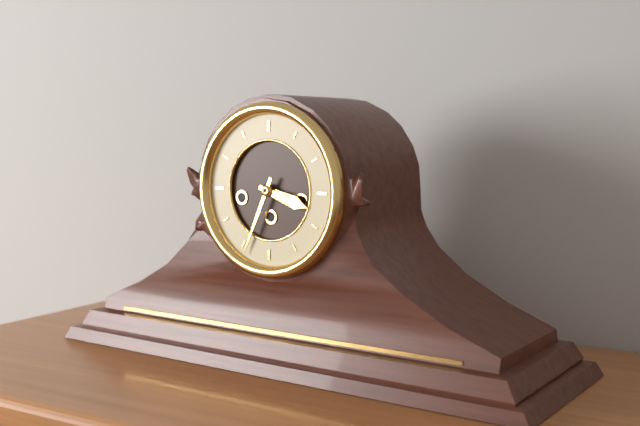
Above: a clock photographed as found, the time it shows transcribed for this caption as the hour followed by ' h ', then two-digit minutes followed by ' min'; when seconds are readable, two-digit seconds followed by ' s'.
3 h 34 min
